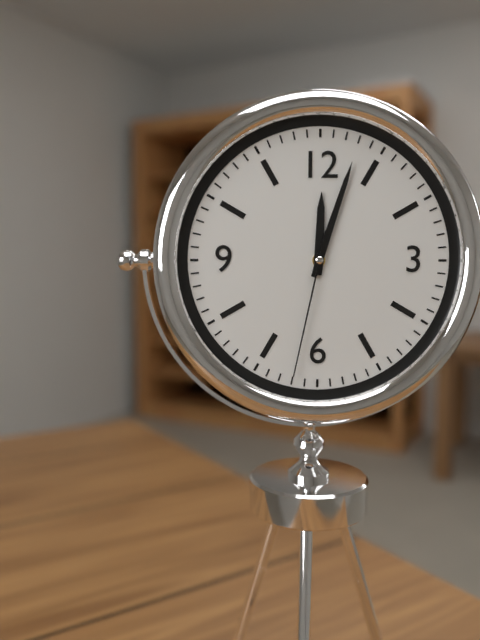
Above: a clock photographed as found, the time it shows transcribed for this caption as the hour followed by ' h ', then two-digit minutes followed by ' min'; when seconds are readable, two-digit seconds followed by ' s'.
12 h 03 min 32 s
